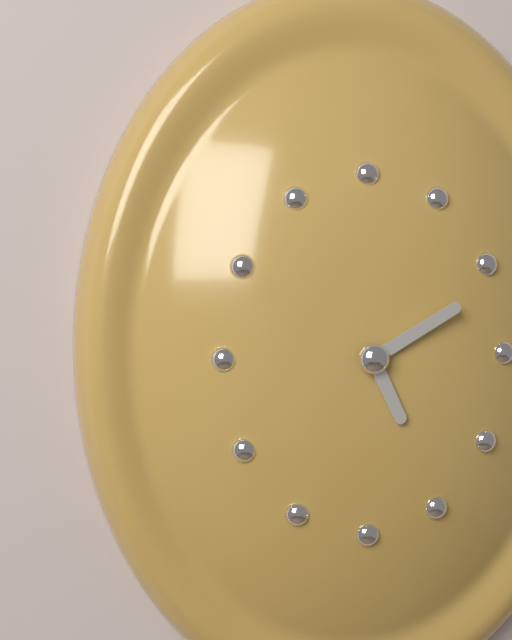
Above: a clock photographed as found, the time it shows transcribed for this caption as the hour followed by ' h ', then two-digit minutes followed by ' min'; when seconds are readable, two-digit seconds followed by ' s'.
5 h 10 min
